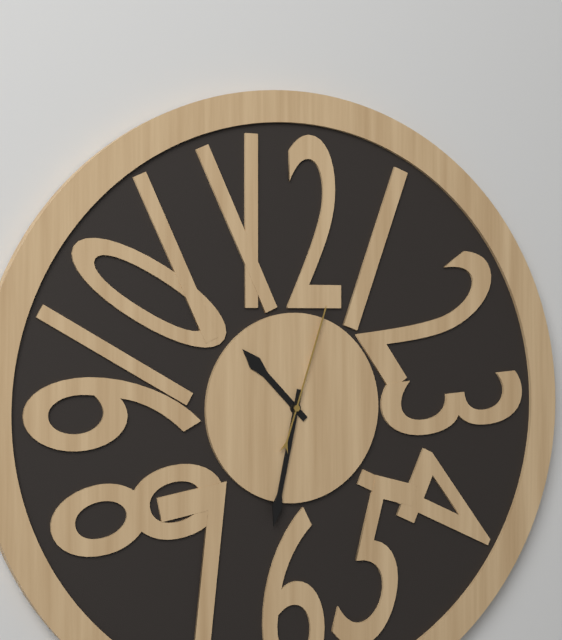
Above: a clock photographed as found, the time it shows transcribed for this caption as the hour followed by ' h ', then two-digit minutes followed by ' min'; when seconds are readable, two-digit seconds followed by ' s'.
10 h 32 min 03 s
